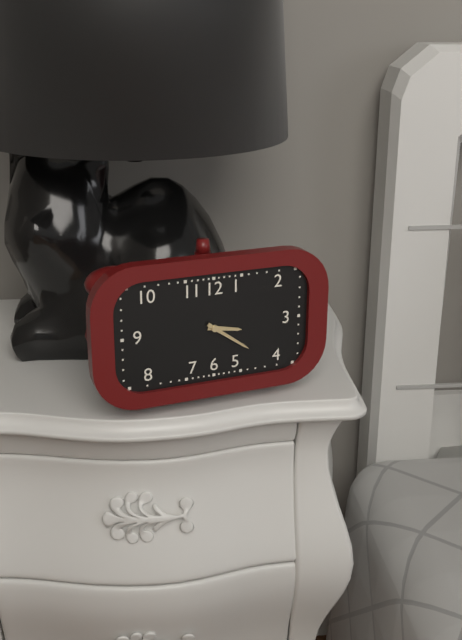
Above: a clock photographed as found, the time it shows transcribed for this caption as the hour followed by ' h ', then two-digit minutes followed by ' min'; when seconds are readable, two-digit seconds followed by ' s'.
3 h 21 min
